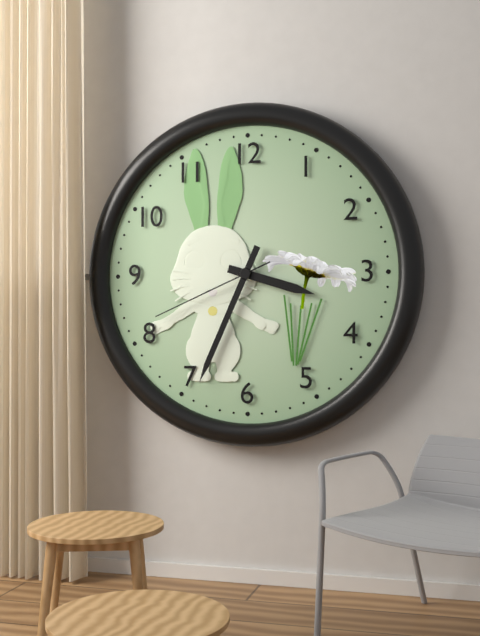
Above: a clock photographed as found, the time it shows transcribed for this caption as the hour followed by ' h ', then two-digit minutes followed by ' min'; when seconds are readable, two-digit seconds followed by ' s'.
3 h 34 min 41 s
